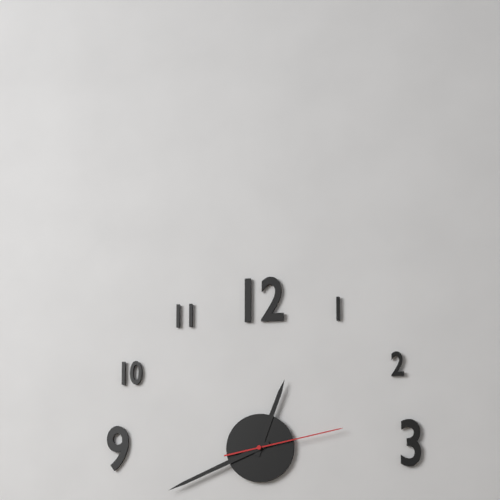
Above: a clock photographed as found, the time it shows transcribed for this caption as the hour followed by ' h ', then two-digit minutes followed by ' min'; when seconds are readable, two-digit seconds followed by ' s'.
12 h 41 min 13 s
